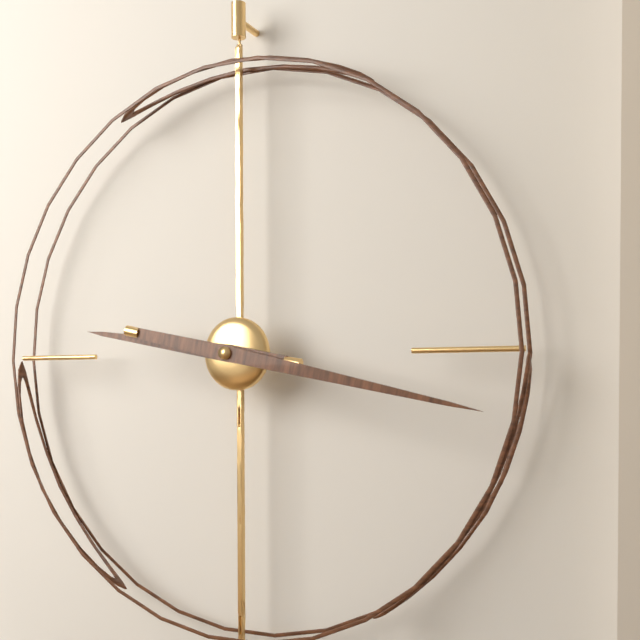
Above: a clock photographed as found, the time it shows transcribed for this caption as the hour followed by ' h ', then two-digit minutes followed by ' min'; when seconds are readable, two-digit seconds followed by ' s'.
9 h 17 min
